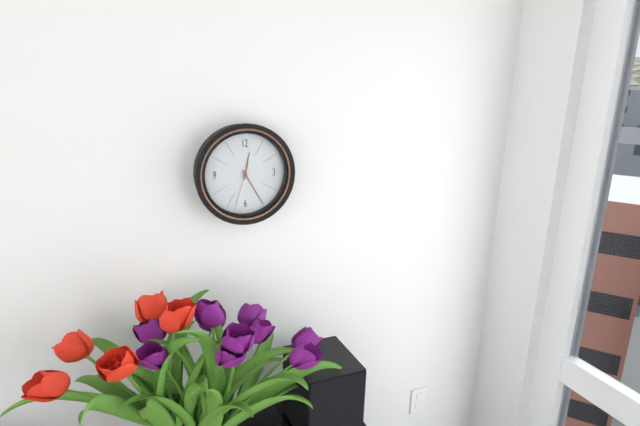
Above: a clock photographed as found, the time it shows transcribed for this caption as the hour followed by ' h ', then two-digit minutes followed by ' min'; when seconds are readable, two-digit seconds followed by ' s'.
12 h 25 min
